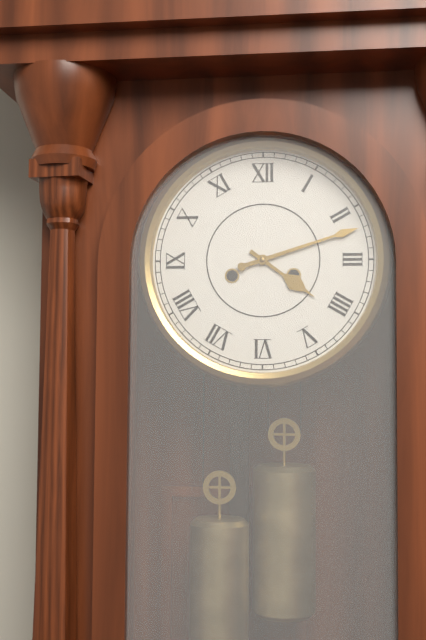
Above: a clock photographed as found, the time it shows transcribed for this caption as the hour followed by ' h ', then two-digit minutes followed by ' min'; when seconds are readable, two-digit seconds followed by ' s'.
4 h 12 min
